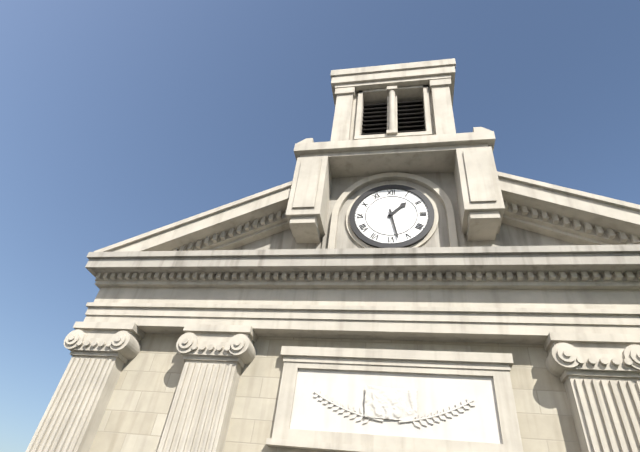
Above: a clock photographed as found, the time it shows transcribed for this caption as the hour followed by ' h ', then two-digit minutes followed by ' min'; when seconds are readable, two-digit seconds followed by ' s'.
1 h 28 min
